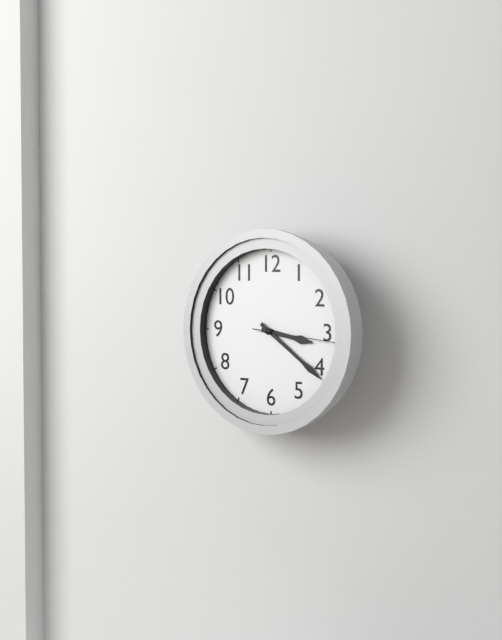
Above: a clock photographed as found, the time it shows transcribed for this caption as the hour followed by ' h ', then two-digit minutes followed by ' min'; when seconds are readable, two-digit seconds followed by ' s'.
3 h 21 min 16 s
